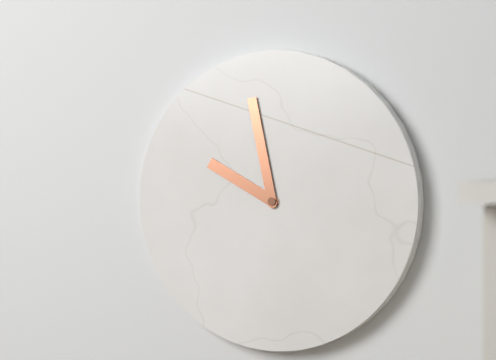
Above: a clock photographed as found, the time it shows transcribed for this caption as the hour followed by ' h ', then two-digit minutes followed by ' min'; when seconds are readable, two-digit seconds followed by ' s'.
9 h 58 min
